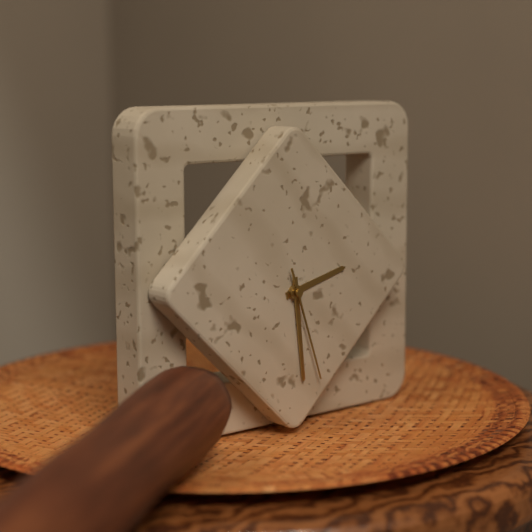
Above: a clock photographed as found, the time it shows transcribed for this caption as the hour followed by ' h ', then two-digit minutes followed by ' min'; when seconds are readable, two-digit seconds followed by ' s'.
2 h 29 min 27 s
